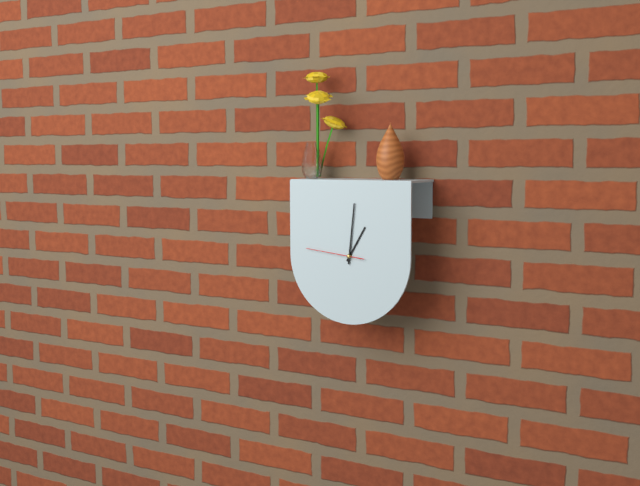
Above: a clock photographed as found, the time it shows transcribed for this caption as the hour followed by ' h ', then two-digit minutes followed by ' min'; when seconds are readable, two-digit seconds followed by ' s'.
1 h 01 min 46 s
